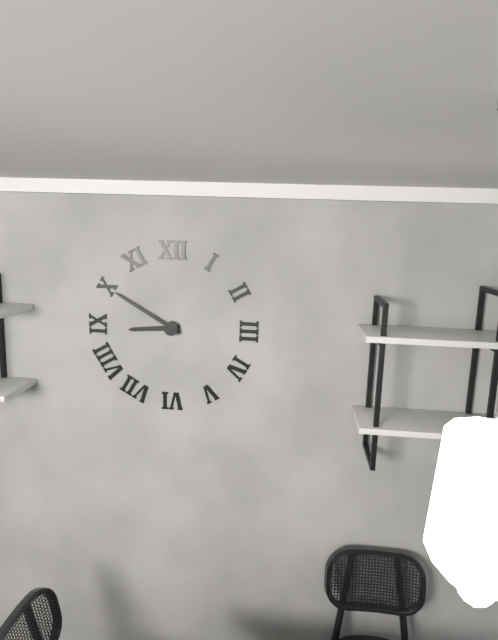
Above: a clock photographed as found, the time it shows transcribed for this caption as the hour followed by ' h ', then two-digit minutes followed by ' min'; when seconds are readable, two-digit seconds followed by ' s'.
8 h 50 min
